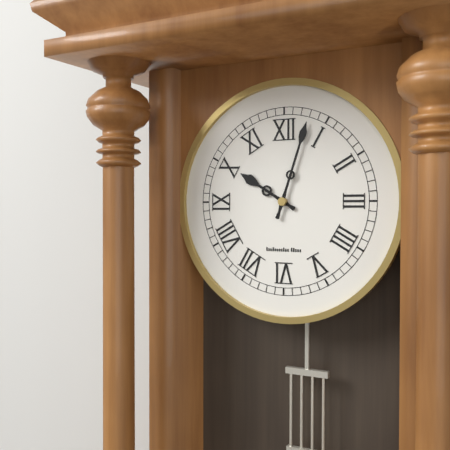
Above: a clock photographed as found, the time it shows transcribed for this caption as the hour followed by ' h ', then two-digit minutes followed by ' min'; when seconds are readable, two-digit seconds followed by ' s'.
10 h 03 min
